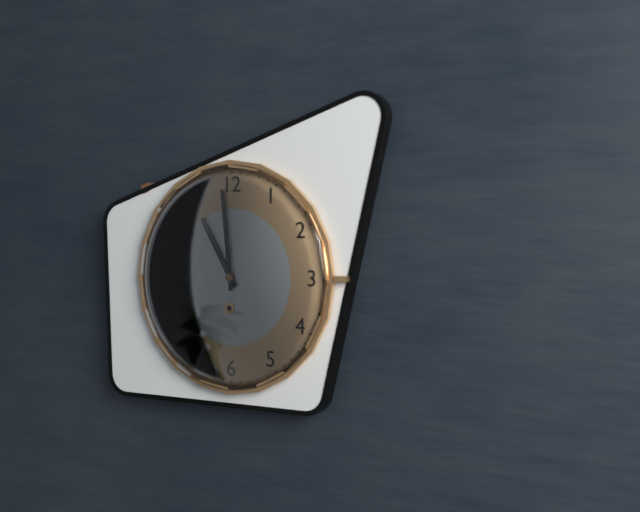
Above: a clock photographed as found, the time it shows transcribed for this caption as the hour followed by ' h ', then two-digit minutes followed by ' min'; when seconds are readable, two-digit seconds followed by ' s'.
10 h 59 min
